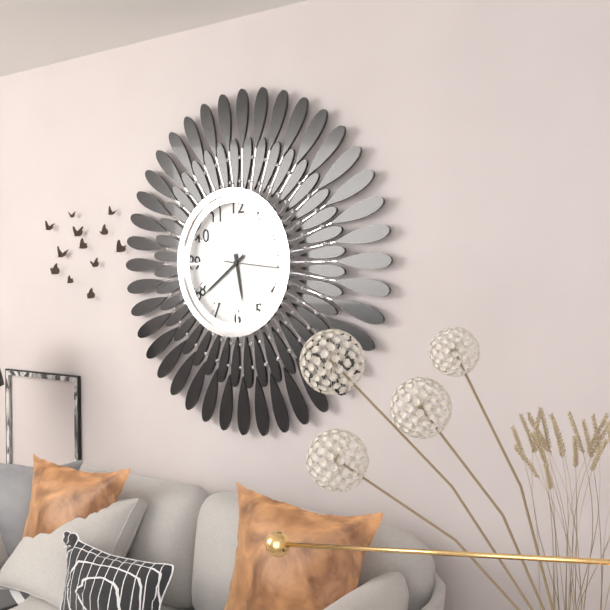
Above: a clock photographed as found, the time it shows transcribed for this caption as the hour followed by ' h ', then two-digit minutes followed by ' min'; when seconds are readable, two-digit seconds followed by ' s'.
5 h 39 min 16 s
